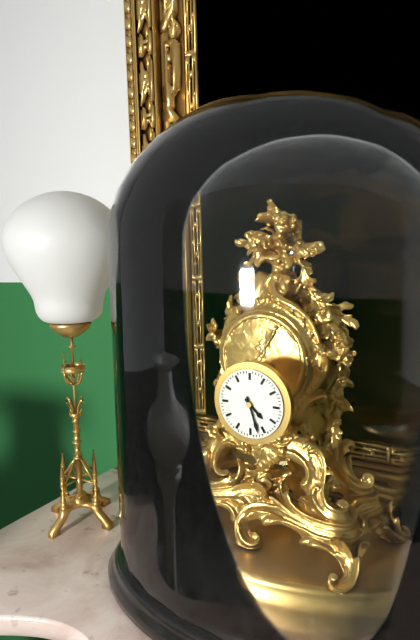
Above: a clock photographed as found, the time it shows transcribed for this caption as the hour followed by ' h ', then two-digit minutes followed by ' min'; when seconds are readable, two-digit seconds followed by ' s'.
4 h 27 min
